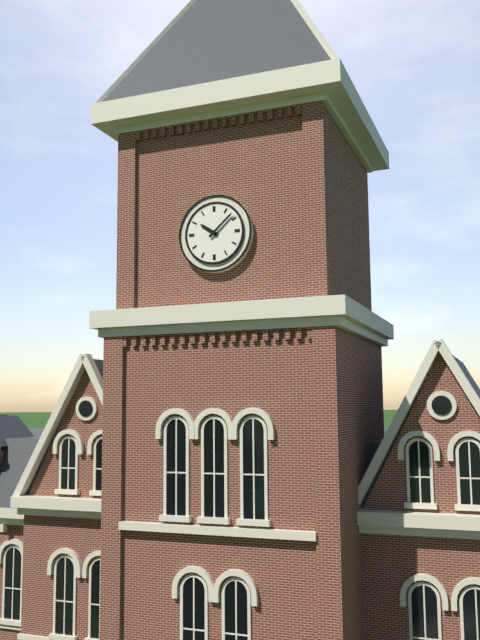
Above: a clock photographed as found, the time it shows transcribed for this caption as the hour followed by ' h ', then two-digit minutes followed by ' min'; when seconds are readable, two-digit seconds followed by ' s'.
10 h 08 min
